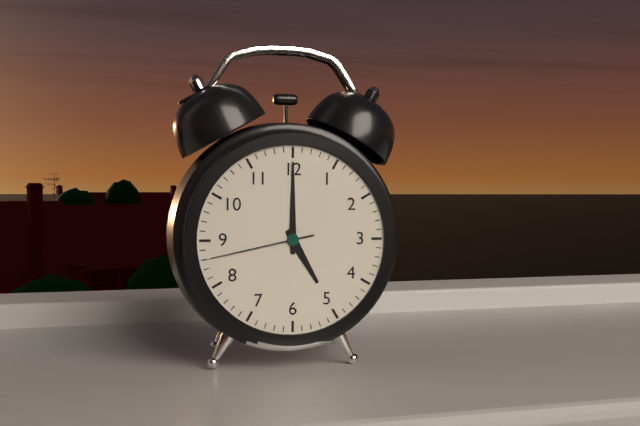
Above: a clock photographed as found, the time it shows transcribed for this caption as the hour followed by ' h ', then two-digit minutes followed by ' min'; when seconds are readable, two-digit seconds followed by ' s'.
5 h 00 min 43 s
